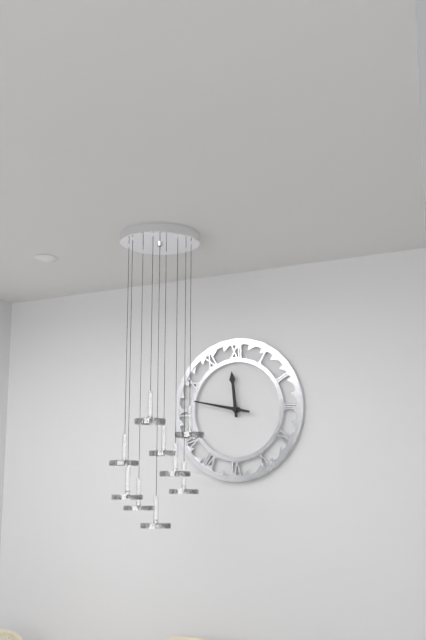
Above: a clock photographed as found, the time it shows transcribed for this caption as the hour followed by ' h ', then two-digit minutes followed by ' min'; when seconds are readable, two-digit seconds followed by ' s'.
11 h 47 min
